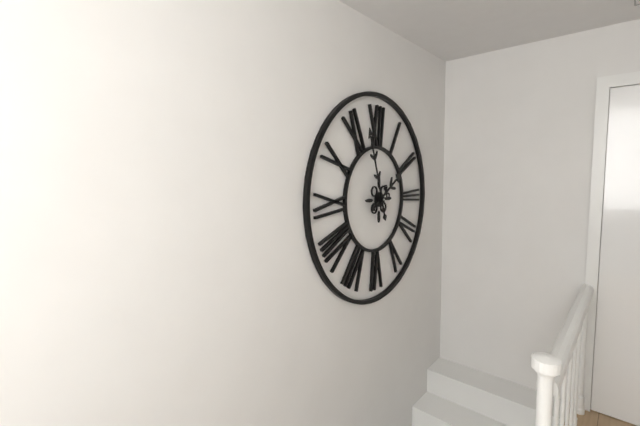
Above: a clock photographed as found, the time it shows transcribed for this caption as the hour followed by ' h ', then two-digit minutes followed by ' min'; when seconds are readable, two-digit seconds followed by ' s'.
1 h 57 min
